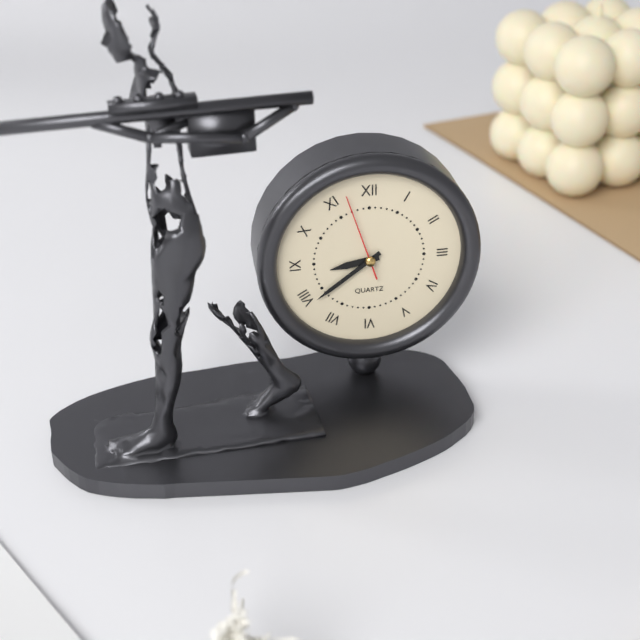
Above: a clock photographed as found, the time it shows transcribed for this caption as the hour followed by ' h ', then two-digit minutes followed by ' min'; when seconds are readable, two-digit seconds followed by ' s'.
8 h 39 min 57 s
